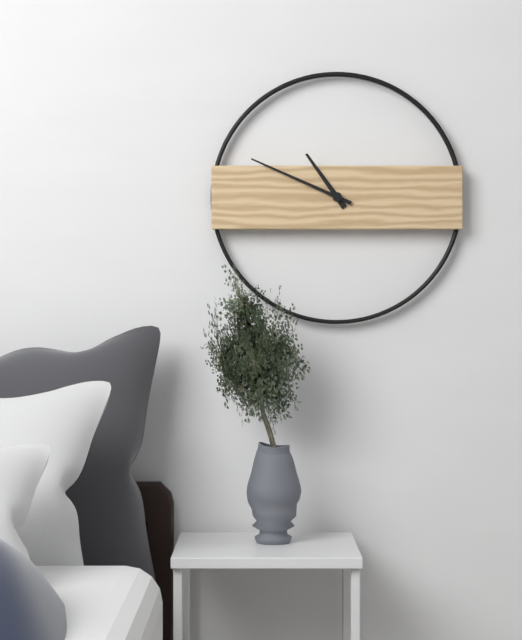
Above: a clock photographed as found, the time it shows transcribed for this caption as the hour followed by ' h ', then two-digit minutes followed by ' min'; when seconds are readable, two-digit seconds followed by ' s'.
10 h 49 min
